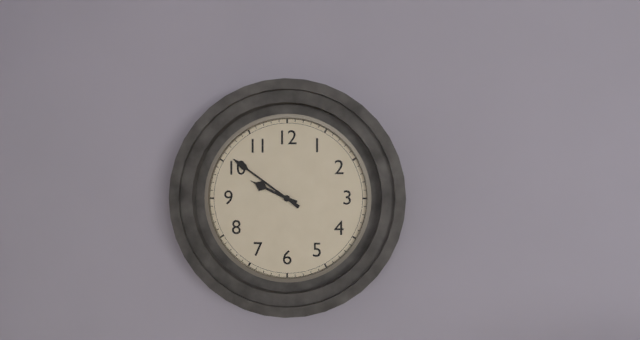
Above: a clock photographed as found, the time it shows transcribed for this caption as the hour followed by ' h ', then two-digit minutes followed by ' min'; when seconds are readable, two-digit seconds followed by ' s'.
9 h 51 min
